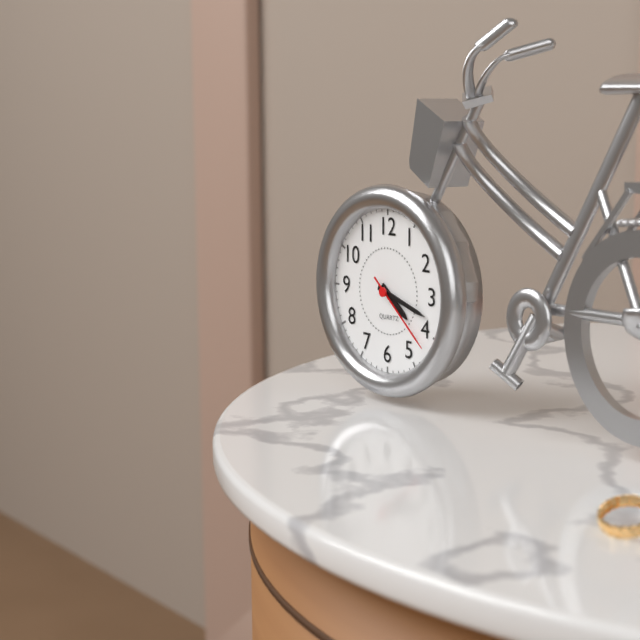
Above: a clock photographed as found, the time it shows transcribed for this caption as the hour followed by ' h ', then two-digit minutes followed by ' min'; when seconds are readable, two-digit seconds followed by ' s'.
4 h 18 min 22 s
